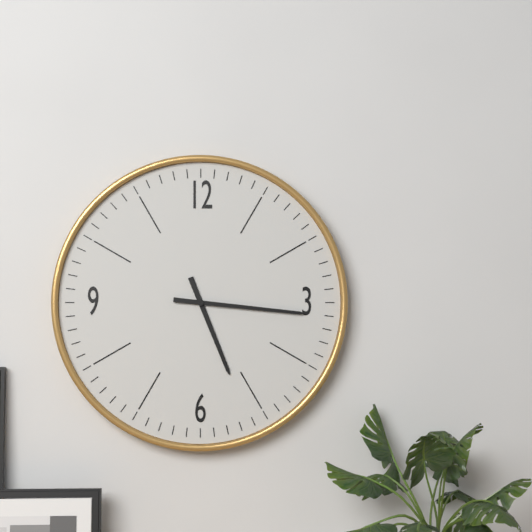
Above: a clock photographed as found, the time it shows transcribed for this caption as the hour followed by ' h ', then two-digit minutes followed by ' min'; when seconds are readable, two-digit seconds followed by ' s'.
5 h 16 min
